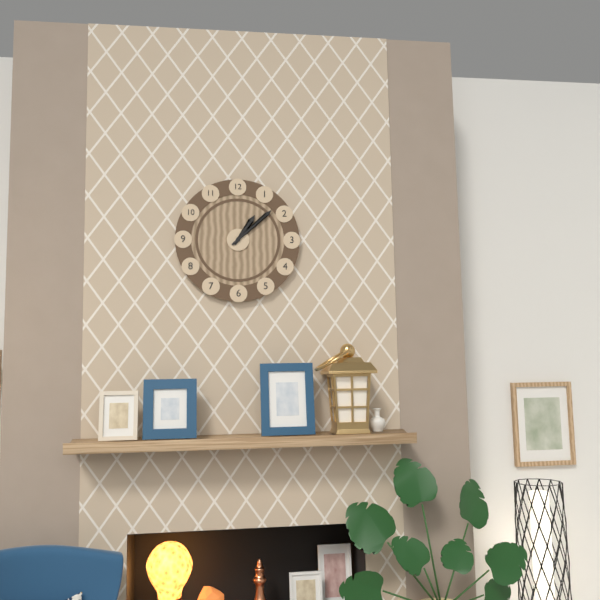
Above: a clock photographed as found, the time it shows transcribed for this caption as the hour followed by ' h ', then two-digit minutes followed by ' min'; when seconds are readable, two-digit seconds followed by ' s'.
1 h 08 min
